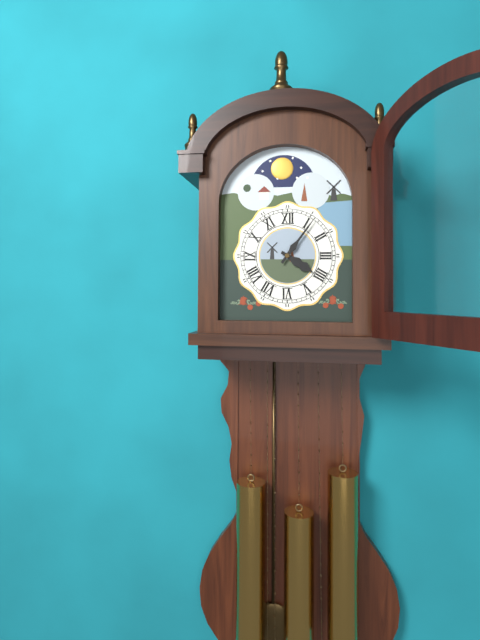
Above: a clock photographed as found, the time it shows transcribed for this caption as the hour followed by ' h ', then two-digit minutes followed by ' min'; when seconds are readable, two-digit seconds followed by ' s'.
4 h 06 min
